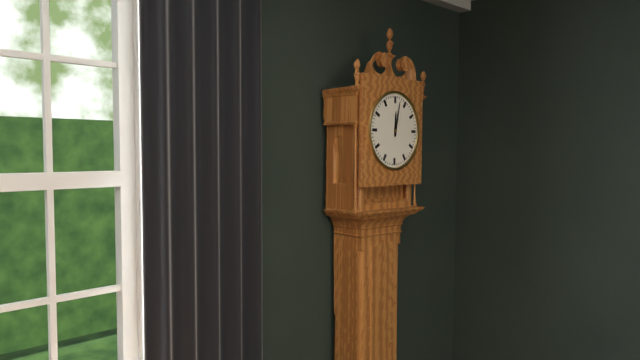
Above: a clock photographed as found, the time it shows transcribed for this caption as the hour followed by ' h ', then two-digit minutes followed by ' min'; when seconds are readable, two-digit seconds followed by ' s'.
12 h 02 min
